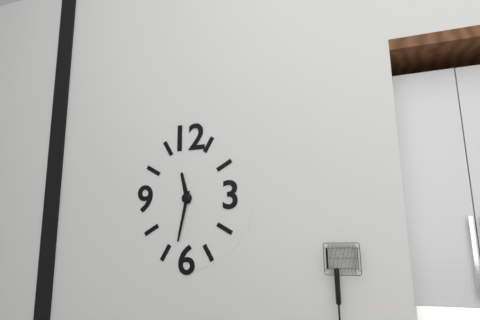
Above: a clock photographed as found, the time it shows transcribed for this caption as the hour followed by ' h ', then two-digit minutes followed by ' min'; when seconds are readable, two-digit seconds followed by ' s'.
11 h 32 min
